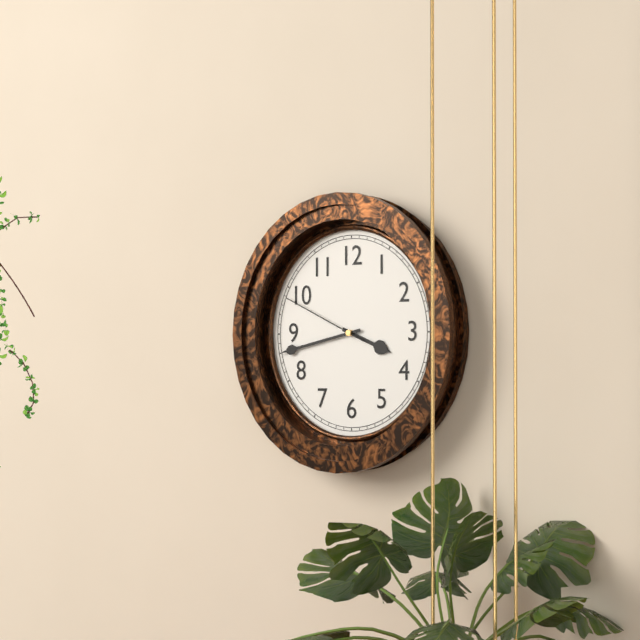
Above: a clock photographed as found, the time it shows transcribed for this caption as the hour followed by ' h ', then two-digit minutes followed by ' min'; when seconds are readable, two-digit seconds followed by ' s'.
3 h 43 min 49 s
